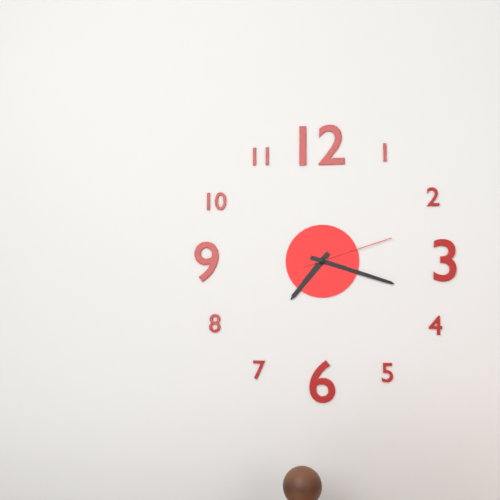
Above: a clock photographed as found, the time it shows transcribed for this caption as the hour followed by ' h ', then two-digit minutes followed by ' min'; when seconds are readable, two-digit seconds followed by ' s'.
7 h 18 min 12 s
